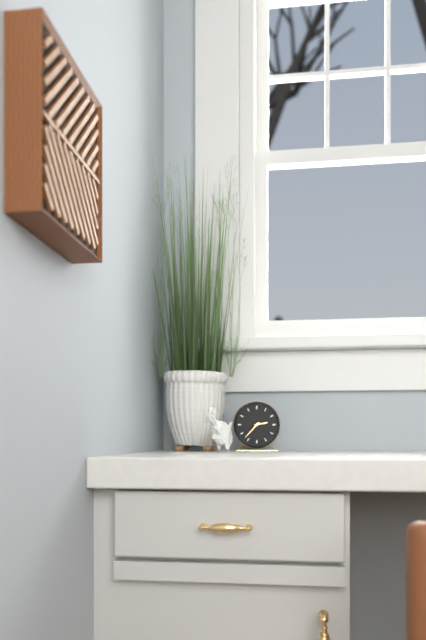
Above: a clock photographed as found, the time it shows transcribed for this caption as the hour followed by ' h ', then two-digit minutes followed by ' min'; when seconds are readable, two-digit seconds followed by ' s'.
2 h 37 min
